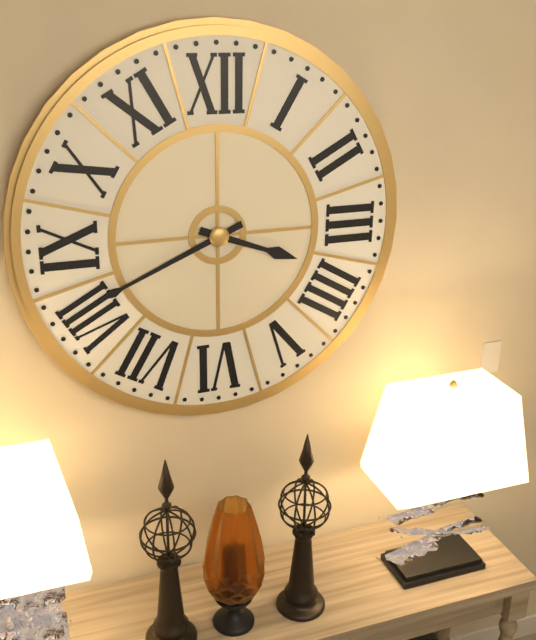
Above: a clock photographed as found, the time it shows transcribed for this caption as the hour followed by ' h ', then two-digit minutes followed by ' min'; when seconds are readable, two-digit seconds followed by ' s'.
3 h 41 min
